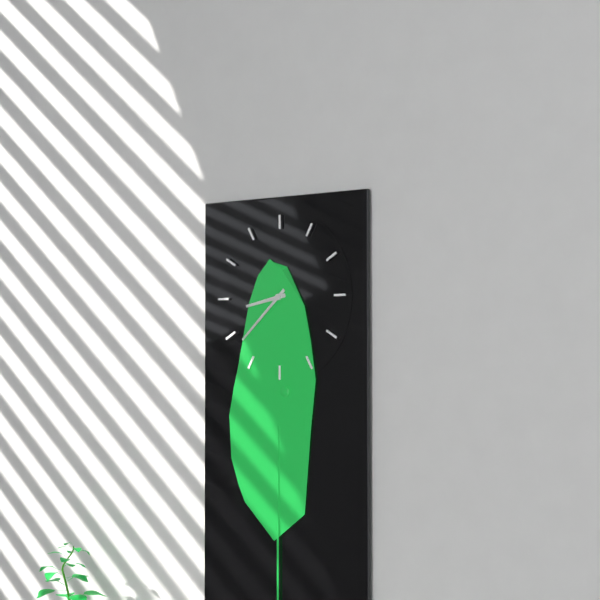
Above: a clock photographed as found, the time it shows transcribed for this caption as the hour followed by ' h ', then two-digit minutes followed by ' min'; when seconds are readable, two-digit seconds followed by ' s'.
8 h 38 min
